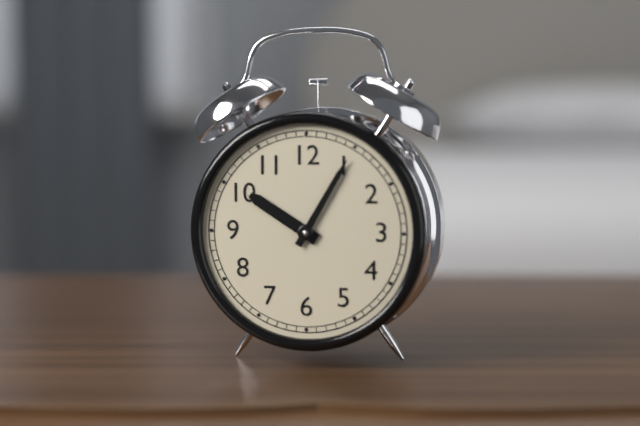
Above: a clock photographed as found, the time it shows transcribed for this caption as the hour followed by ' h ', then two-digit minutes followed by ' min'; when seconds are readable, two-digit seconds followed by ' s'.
10 h 05 min
